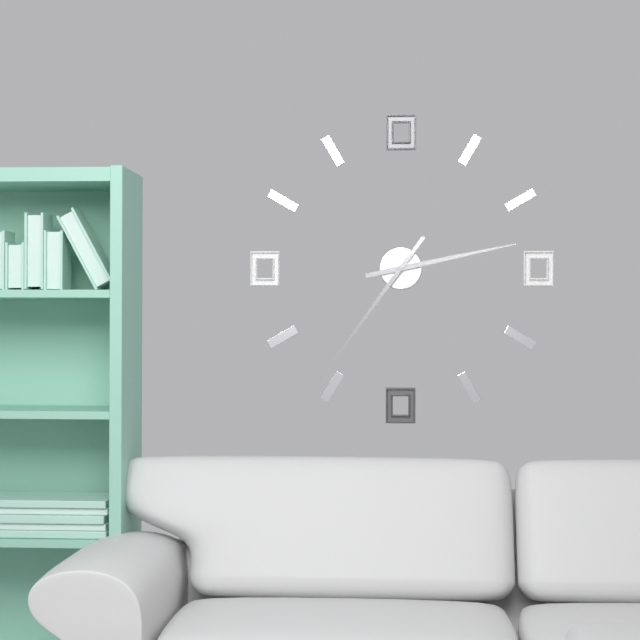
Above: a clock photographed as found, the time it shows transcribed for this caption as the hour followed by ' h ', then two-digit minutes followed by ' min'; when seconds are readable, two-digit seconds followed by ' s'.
2 h 36 min
